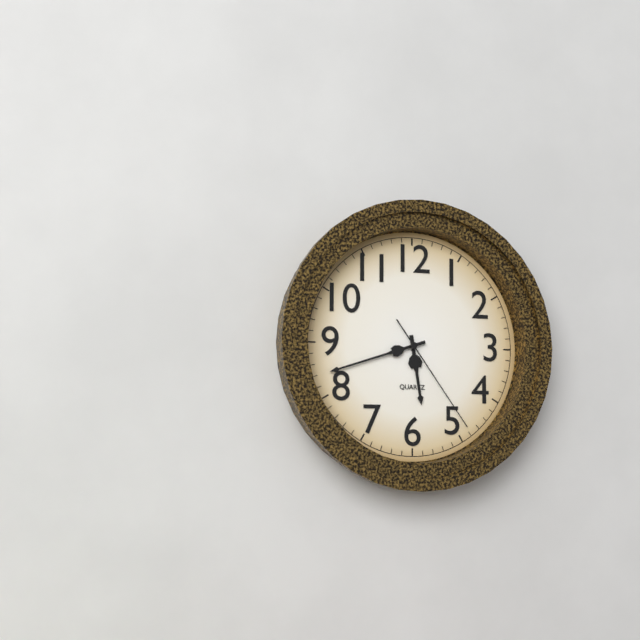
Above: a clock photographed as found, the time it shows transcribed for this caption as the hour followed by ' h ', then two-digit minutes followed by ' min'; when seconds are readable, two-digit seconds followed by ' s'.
5 h 42 min 24 s
